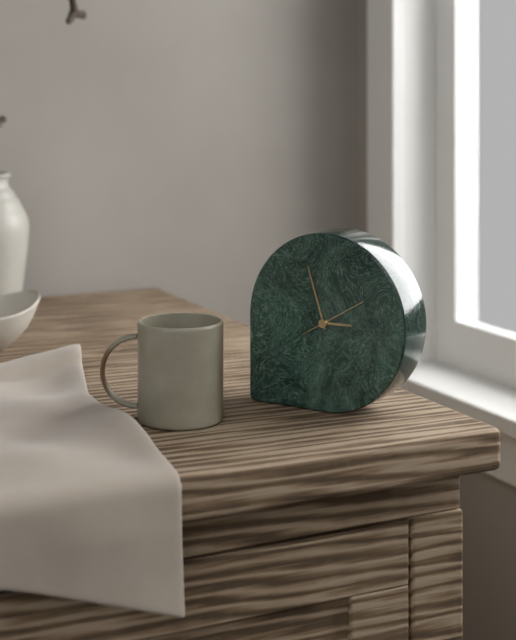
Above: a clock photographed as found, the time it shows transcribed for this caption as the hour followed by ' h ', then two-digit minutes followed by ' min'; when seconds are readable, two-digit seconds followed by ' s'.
2 h 57 min 10 s
